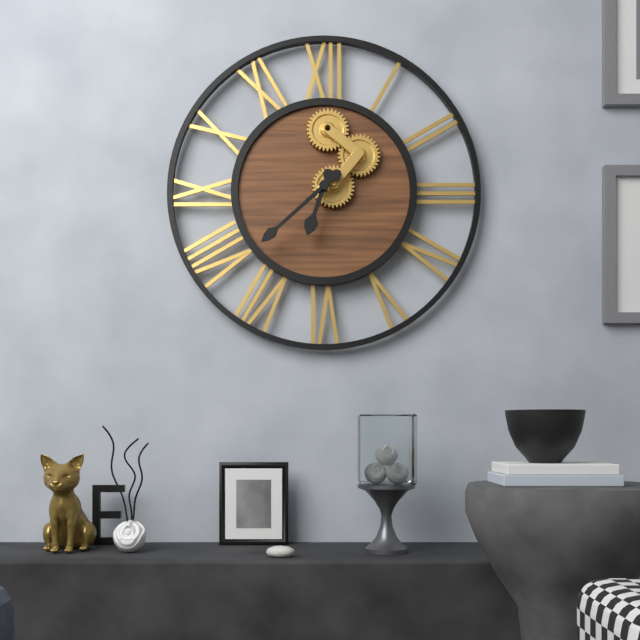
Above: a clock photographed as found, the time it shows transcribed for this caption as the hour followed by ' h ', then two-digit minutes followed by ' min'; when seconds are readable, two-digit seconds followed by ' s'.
6 h 38 min
